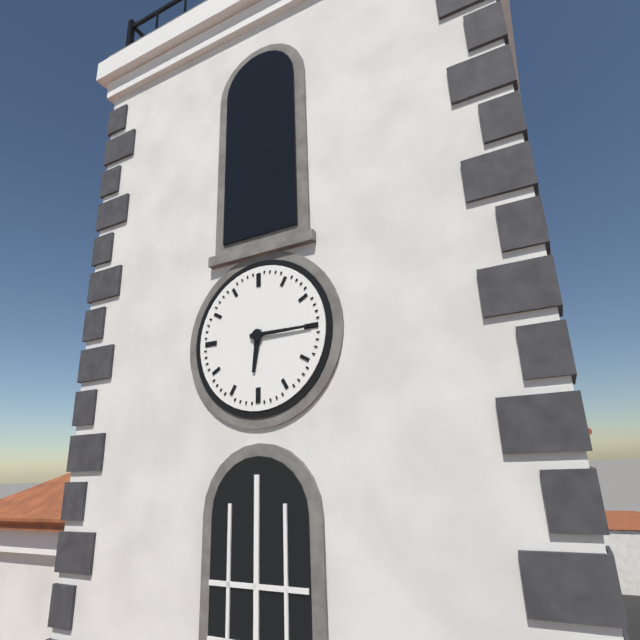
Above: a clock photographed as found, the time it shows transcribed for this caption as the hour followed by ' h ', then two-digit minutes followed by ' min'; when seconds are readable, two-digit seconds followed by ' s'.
6 h 15 min
